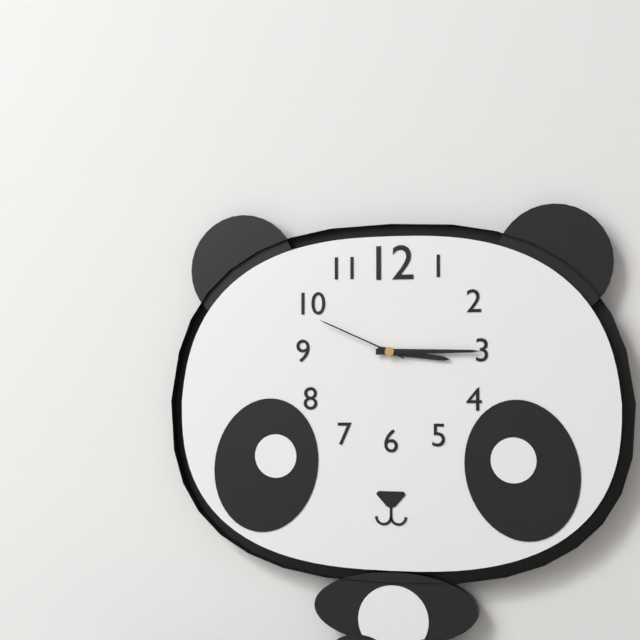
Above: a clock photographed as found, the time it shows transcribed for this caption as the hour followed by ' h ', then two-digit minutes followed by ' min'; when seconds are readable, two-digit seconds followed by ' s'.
3 h 15 min 49 s
